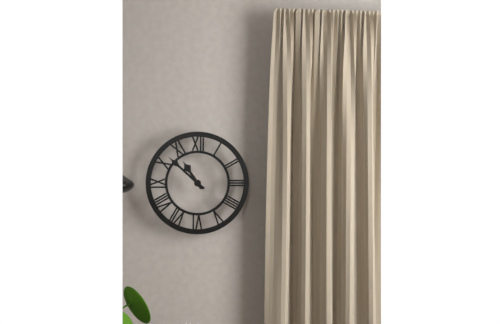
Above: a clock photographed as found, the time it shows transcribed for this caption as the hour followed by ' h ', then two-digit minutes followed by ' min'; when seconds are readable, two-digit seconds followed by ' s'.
10 h 52 min
